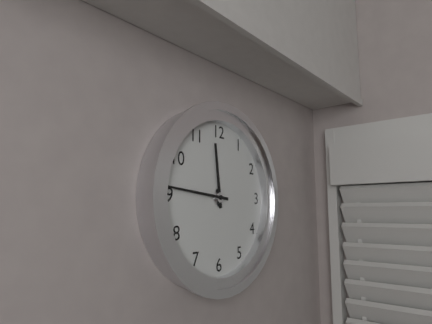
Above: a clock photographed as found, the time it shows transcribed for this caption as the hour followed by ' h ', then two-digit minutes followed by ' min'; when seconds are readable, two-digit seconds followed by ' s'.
11 h 46 min
